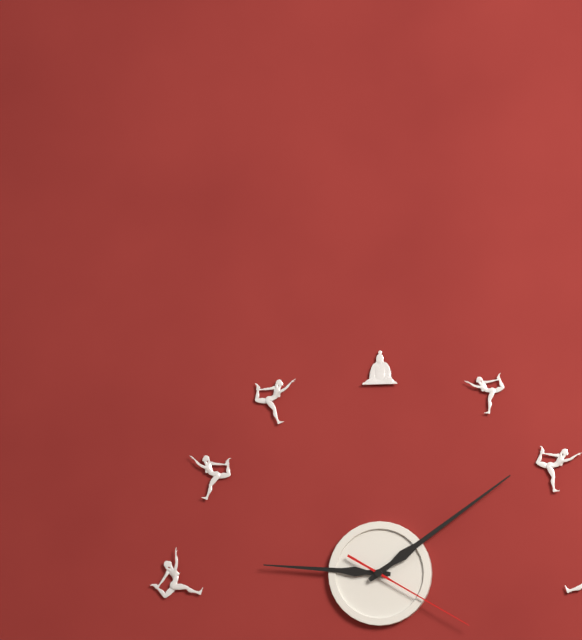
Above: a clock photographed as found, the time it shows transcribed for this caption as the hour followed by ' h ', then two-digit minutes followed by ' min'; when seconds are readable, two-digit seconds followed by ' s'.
9 h 09 min 20 s
